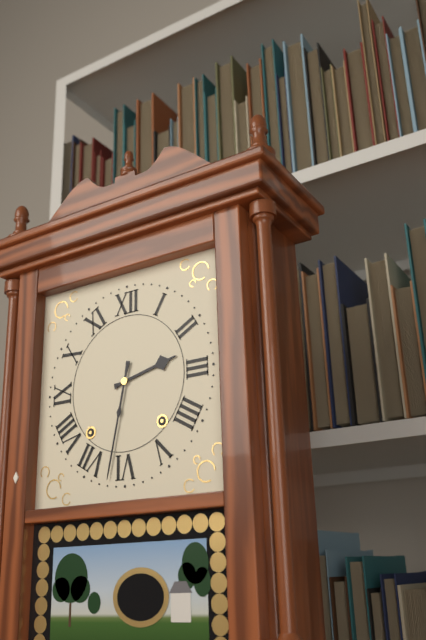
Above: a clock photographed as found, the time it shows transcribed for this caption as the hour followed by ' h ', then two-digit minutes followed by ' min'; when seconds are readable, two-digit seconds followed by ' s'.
2 h 32 min
